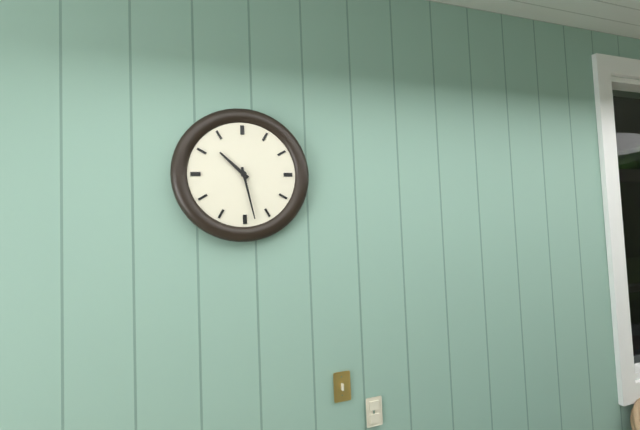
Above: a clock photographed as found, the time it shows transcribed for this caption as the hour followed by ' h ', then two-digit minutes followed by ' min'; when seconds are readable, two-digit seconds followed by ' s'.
10 h 28 min
